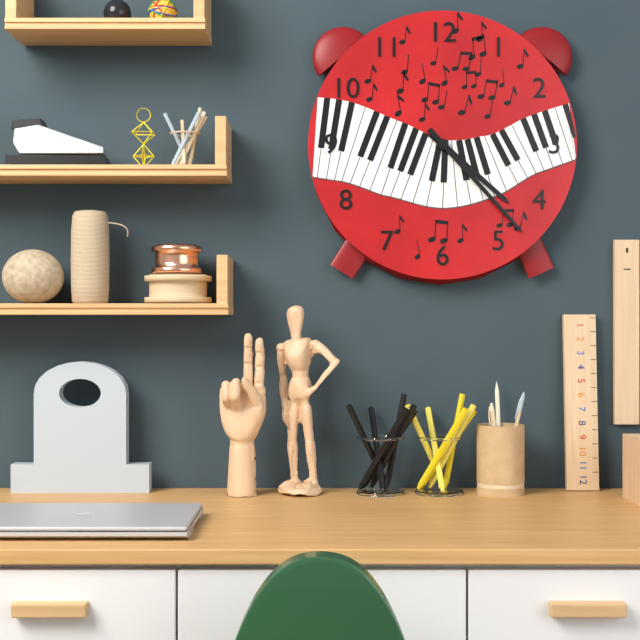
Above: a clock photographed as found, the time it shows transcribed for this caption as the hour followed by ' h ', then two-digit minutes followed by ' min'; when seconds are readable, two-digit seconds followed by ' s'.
4 h 23 min
